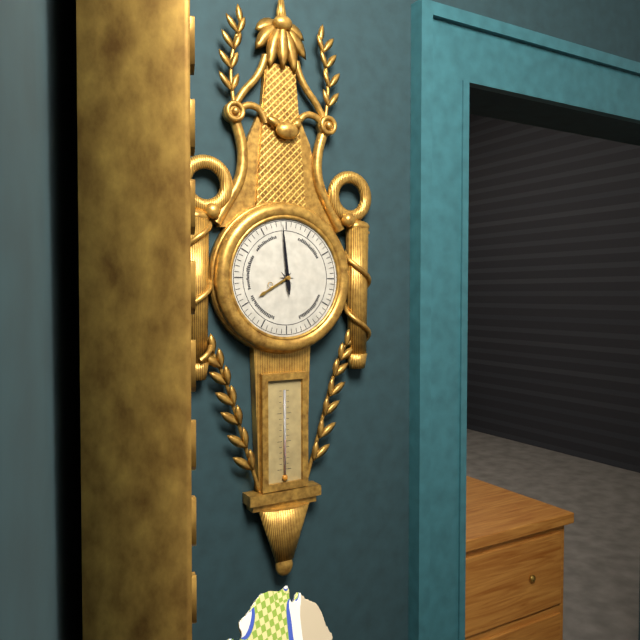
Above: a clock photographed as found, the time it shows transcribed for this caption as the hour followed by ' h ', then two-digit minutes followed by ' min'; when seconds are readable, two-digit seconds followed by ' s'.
7 h 59 min
